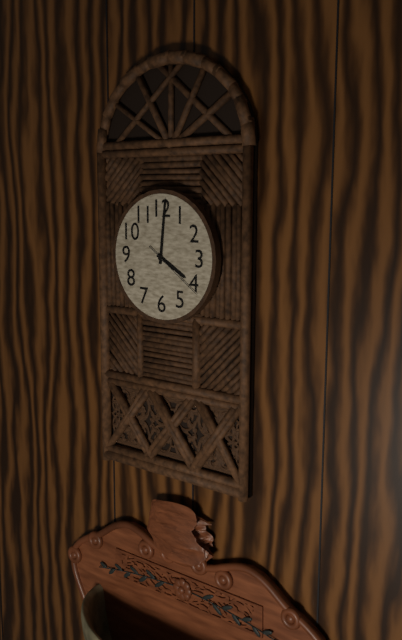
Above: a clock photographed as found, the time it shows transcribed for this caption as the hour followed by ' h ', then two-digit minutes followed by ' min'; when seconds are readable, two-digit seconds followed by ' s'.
4 h 01 min 21 s
